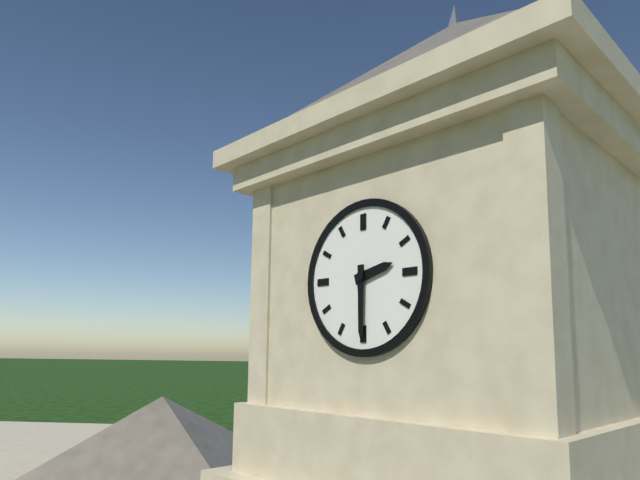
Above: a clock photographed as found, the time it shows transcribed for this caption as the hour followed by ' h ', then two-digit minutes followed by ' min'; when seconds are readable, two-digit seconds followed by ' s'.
2 h 30 min
